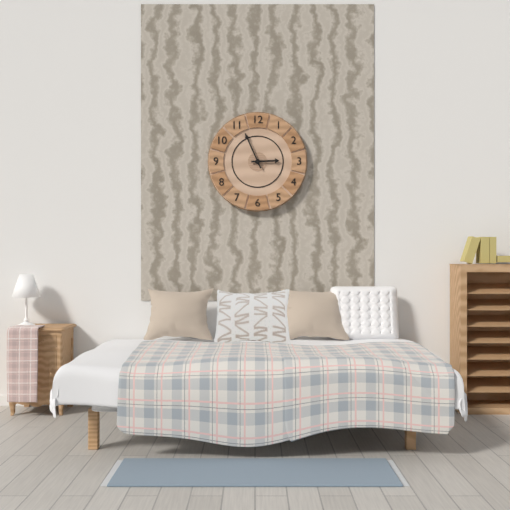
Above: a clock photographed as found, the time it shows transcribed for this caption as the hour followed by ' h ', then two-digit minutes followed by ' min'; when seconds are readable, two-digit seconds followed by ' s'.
2 h 56 min
